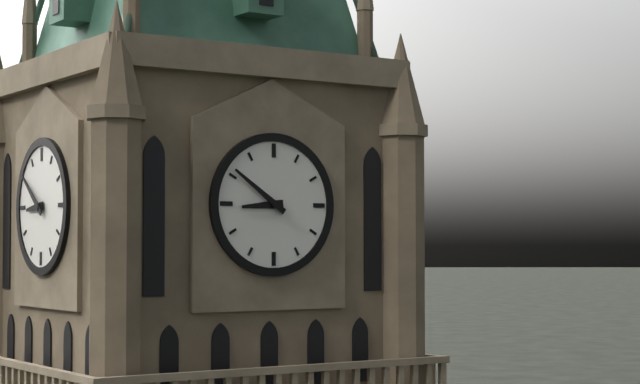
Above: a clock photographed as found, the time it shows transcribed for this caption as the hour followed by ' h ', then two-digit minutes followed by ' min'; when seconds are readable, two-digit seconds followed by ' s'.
8 h 51 min
